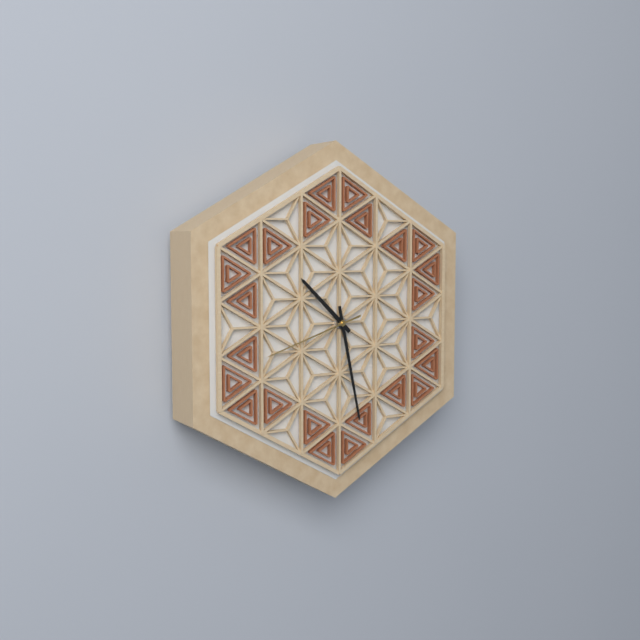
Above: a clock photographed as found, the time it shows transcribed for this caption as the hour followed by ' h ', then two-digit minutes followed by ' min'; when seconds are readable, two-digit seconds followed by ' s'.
10 h 28 min 42 s
